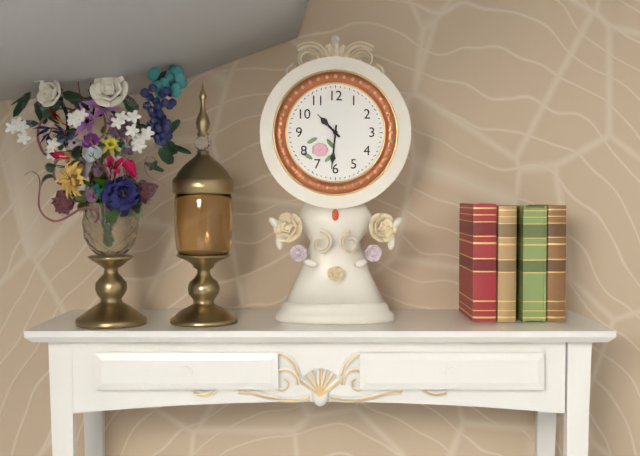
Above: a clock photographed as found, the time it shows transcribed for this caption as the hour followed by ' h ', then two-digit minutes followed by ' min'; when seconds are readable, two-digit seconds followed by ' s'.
10 h 31 min
